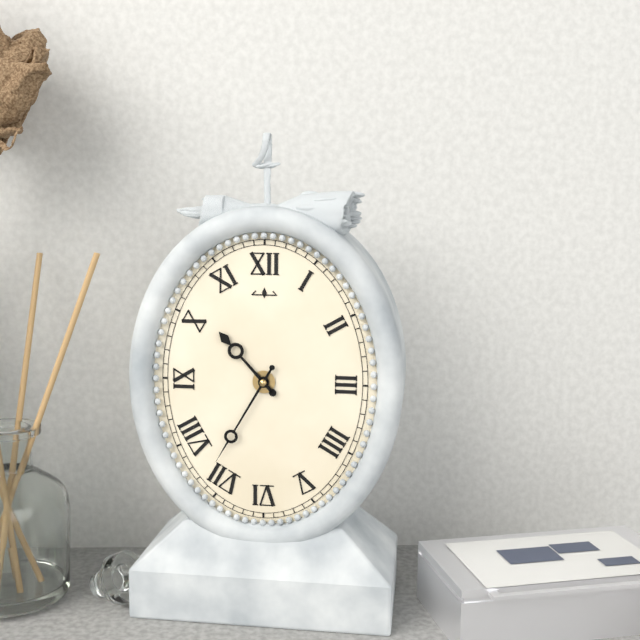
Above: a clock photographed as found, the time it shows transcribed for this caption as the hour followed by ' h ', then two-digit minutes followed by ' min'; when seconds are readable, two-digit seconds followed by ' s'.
10 h 35 min
